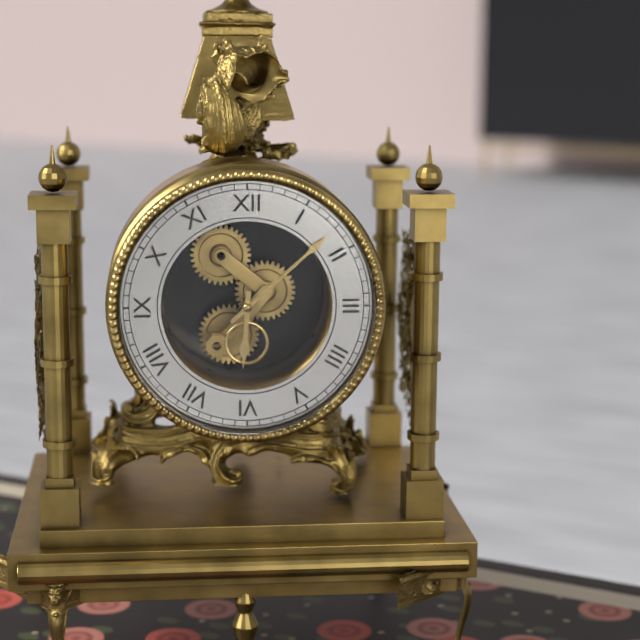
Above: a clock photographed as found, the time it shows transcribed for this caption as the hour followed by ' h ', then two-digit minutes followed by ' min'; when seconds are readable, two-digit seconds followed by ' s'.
6 h 08 min
